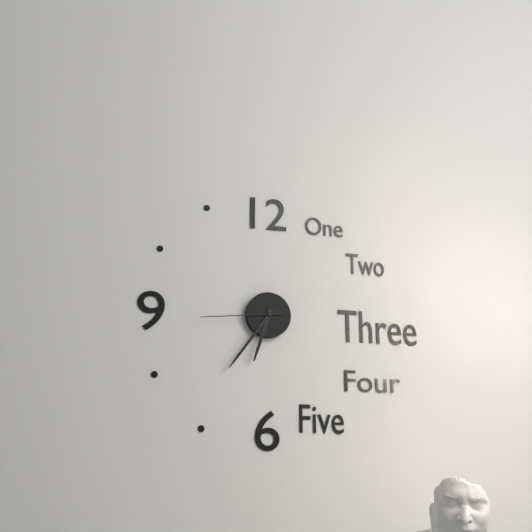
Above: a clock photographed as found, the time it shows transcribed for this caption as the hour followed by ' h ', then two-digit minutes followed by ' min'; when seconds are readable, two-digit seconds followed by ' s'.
6 h 36 min 44 s
